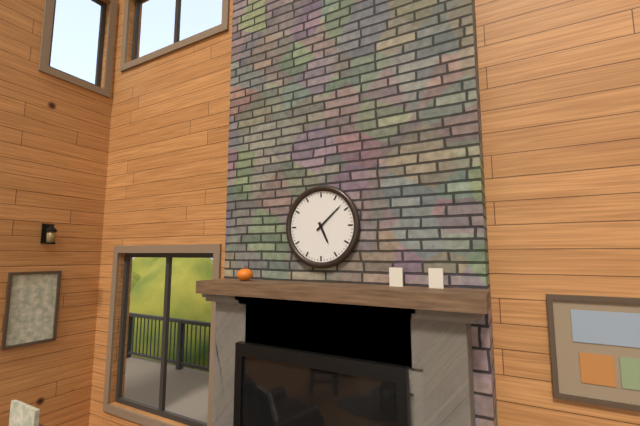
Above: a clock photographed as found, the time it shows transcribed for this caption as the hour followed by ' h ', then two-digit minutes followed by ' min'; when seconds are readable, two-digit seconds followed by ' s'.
5 h 08 min
